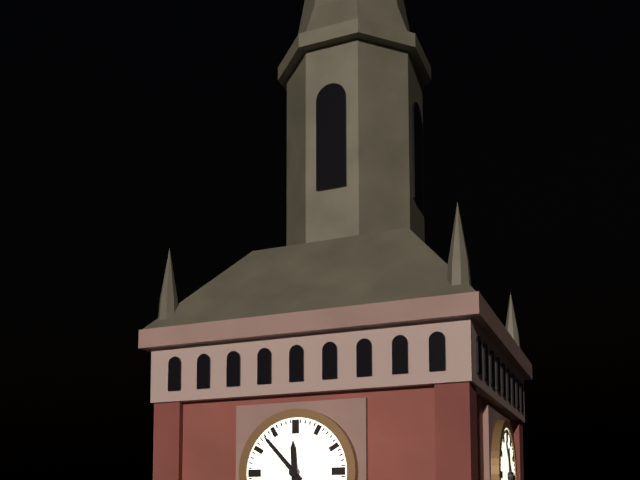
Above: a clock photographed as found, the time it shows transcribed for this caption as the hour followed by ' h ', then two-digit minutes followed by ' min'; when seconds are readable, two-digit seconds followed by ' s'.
11 h 53 min
